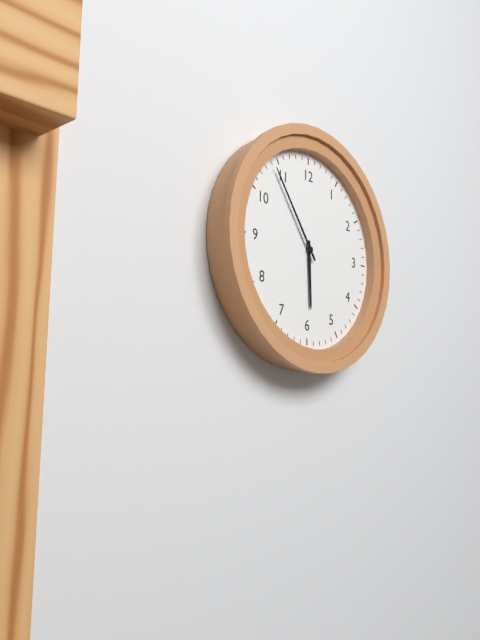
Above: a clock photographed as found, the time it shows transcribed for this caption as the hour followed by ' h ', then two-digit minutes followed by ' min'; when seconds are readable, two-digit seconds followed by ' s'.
5 h 54 min
